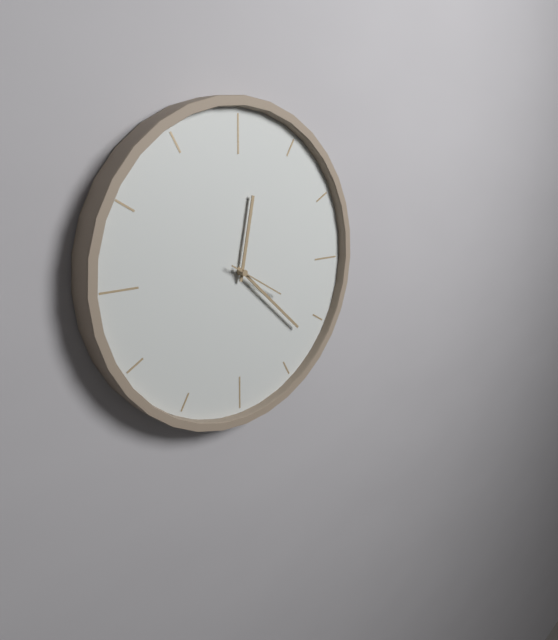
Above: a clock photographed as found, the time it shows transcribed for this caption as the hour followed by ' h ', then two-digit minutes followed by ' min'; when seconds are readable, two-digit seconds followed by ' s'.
12 h 22 min 20 s
